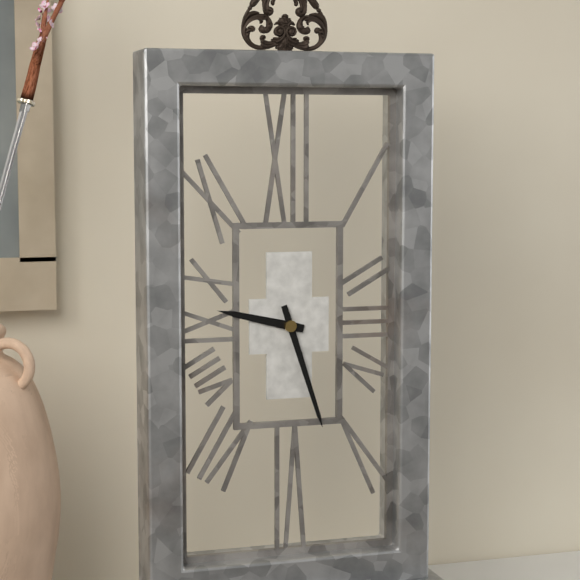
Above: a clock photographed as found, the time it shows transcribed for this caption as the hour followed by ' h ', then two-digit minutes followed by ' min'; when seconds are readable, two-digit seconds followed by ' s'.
9 h 27 min
